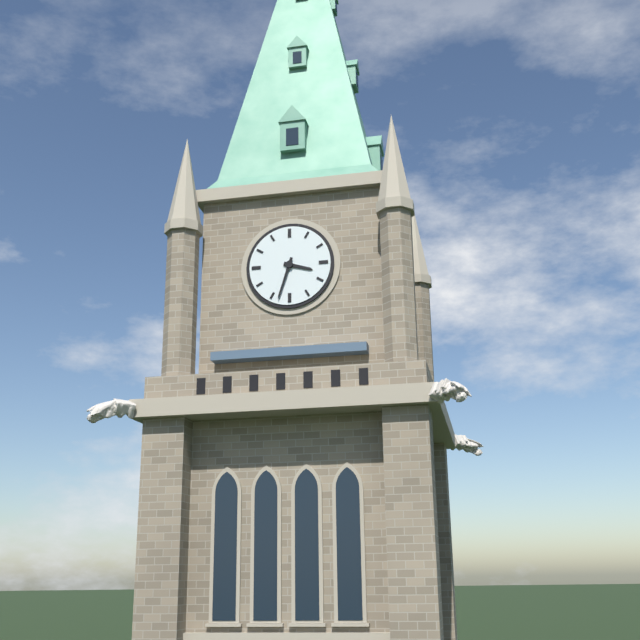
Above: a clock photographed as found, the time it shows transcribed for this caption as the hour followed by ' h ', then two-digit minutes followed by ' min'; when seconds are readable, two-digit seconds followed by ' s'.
3 h 33 min
